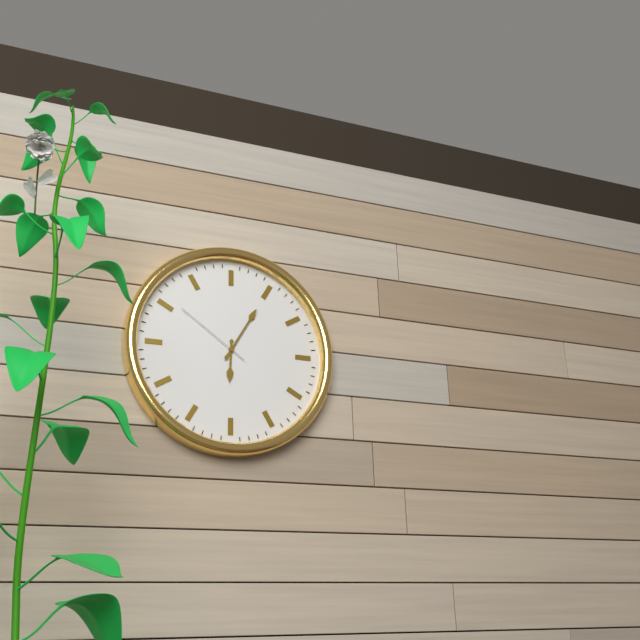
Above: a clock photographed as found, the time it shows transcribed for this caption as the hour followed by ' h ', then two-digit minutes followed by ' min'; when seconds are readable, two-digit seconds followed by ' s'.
6 h 05 min 51 s
